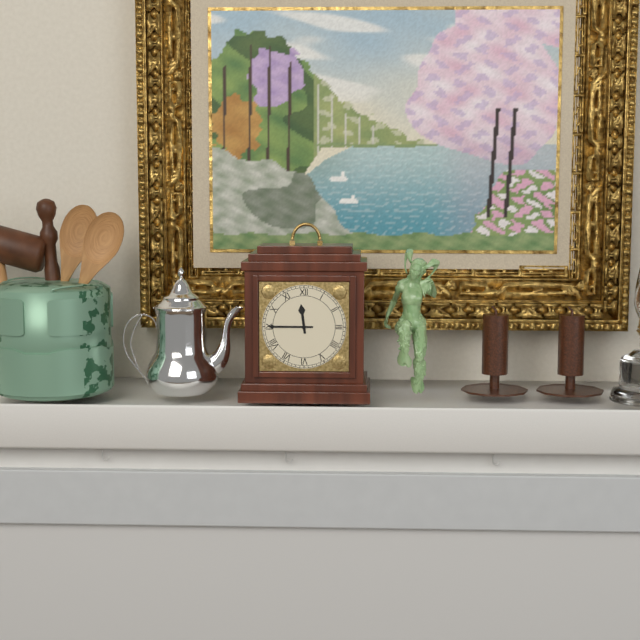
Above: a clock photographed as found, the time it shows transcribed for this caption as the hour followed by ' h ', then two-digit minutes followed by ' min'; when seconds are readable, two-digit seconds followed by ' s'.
11 h 45 min
